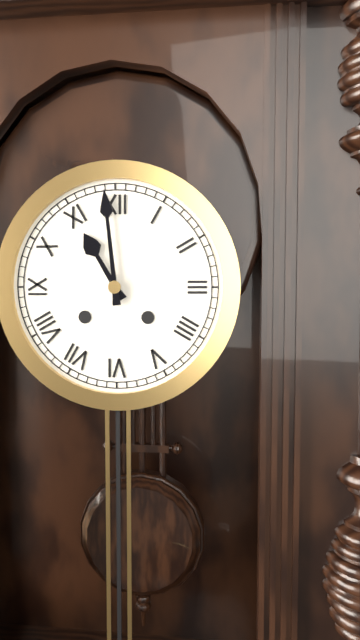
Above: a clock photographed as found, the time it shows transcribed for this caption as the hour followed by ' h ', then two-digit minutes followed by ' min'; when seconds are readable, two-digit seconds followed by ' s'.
10 h 59 min
